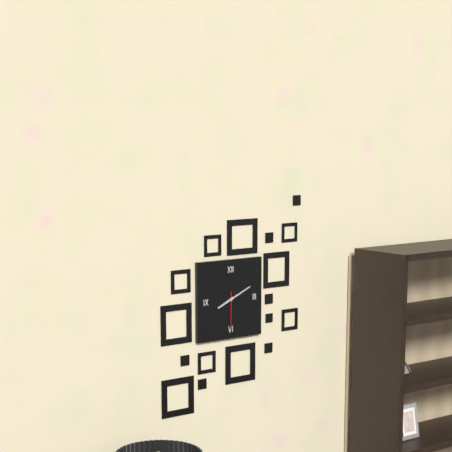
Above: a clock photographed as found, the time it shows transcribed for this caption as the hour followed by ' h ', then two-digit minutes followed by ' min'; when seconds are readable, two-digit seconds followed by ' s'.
8 h 11 min
